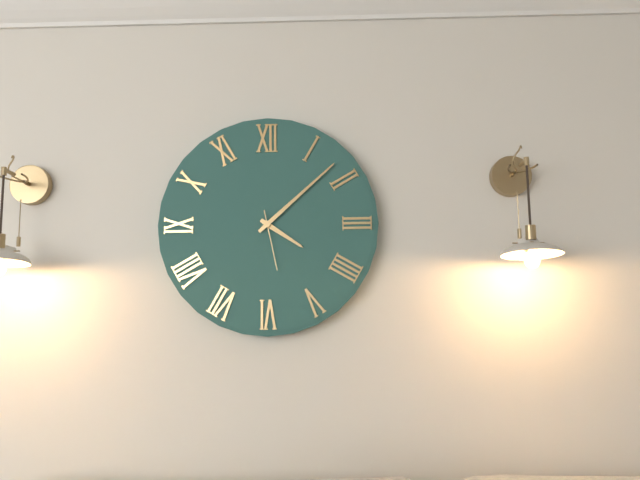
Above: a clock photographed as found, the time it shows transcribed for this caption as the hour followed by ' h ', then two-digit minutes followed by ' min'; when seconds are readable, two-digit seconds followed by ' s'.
4 h 08 min 28 s
